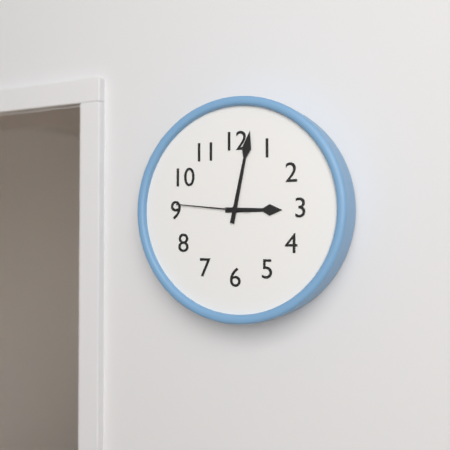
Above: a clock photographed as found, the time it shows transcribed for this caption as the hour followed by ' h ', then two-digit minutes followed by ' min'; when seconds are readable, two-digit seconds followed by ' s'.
3 h 02 min 46 s
